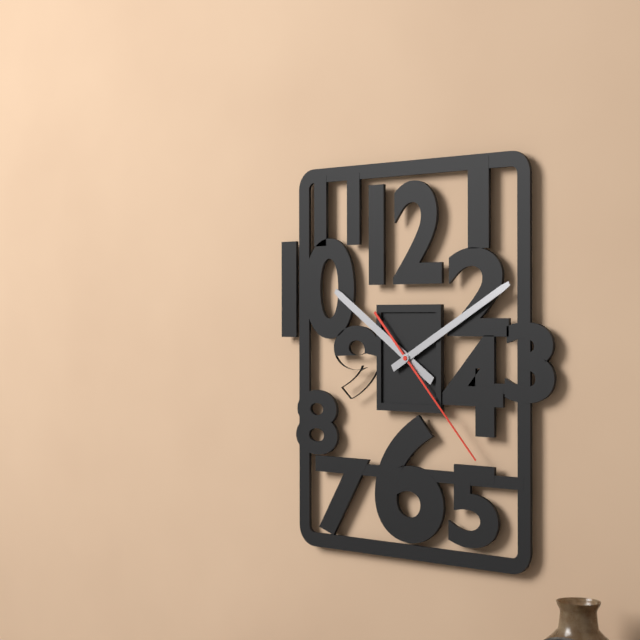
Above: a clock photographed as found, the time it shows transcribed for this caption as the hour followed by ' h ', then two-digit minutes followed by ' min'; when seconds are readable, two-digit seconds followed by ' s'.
10 h 10 min 23 s
